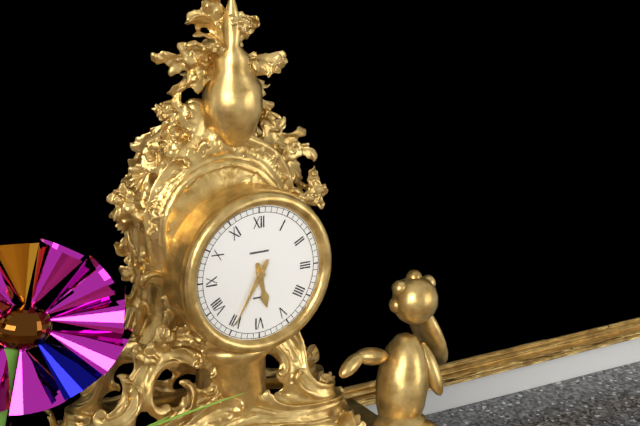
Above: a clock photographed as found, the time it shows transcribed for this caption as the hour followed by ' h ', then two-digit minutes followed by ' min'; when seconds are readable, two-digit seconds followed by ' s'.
5 h 35 min
